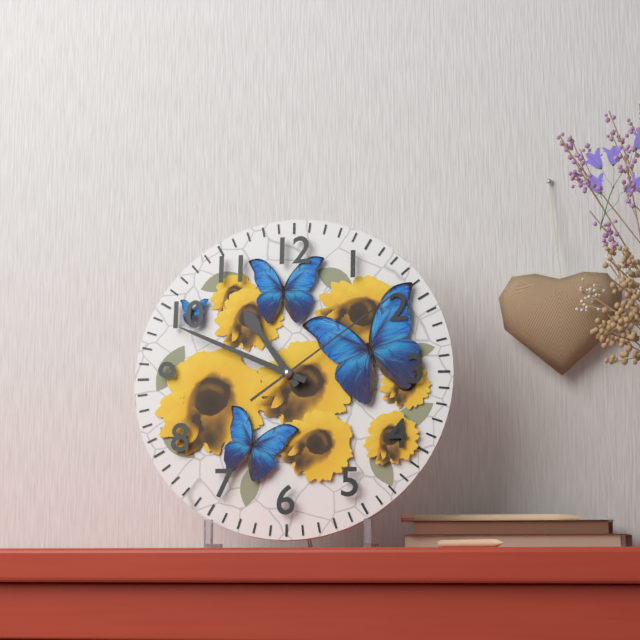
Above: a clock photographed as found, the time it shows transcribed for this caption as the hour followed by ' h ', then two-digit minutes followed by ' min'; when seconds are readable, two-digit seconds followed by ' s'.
10 h 49 min 09 s
